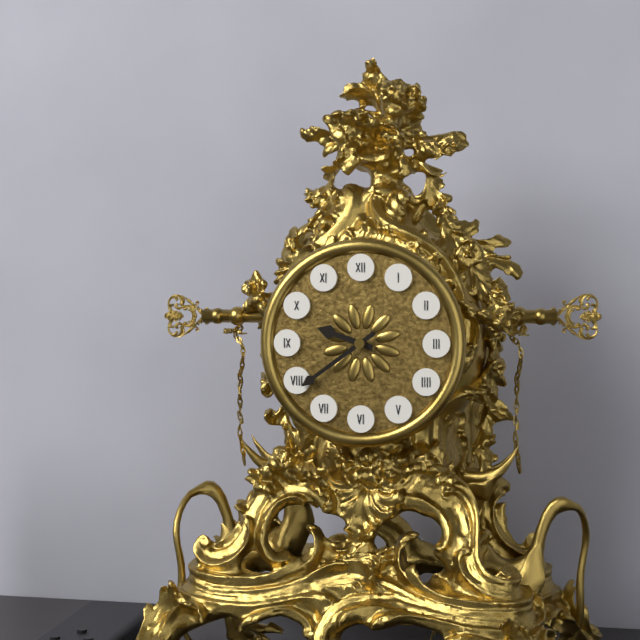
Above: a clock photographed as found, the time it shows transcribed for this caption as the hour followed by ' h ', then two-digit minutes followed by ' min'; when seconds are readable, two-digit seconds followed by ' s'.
9 h 39 min
